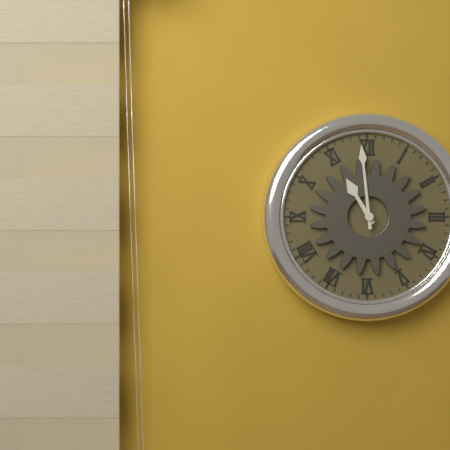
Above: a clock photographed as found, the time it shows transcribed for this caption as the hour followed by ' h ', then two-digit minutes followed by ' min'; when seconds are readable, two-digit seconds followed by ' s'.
10 h 59 min
